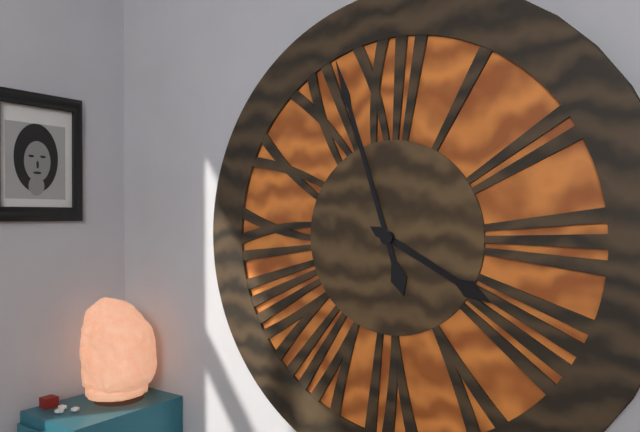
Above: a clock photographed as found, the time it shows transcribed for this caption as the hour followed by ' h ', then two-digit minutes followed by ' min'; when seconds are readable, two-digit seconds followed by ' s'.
3 h 57 min
